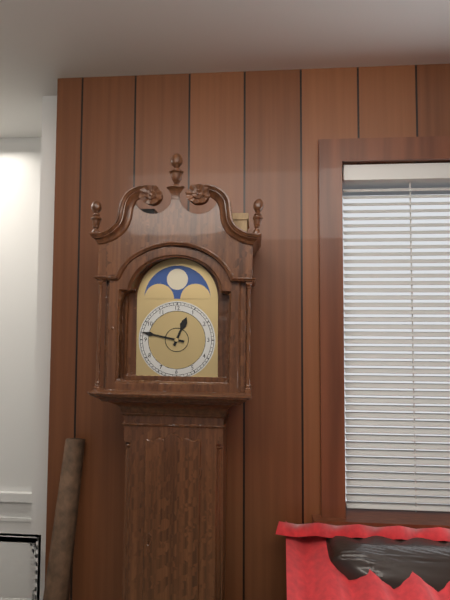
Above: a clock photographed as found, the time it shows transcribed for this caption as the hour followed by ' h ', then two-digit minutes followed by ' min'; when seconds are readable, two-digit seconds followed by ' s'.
12 h 47 min
